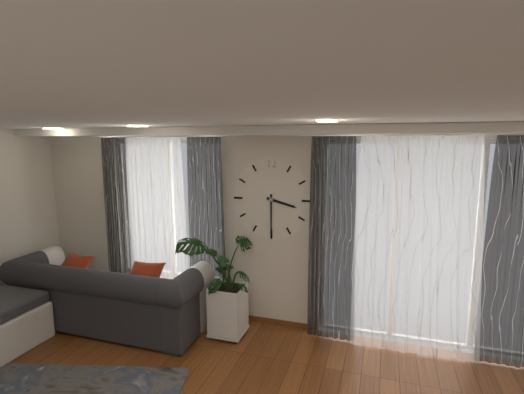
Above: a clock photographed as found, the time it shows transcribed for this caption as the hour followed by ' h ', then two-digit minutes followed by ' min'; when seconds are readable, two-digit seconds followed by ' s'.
3 h 30 min
